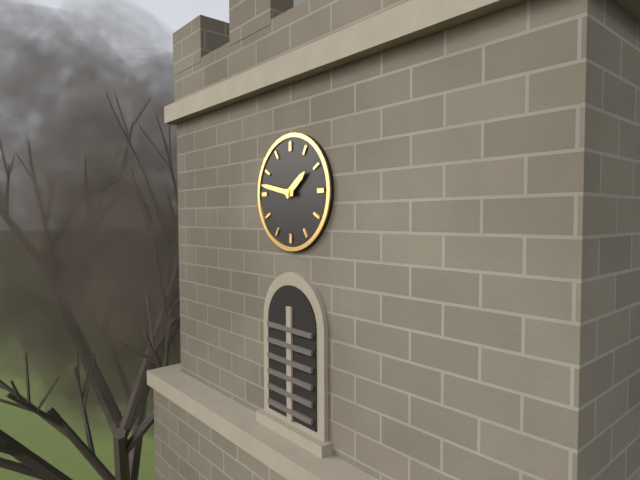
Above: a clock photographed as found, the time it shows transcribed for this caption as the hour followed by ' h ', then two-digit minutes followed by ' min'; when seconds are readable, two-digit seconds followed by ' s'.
1 h 47 min
